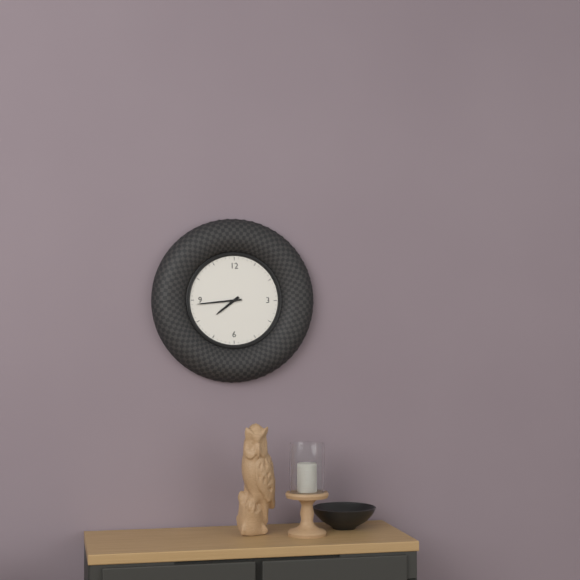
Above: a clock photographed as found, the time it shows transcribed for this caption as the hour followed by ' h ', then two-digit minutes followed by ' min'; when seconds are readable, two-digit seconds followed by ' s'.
7 h 44 min
